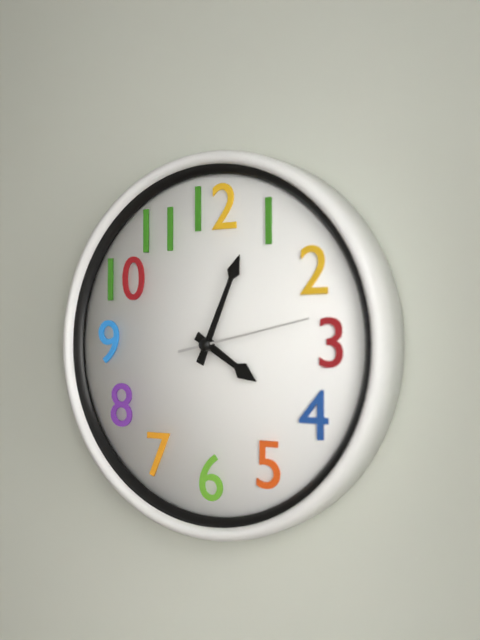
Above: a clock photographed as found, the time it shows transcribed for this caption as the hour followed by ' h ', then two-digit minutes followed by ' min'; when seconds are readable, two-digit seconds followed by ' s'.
4 h 04 min 13 s
